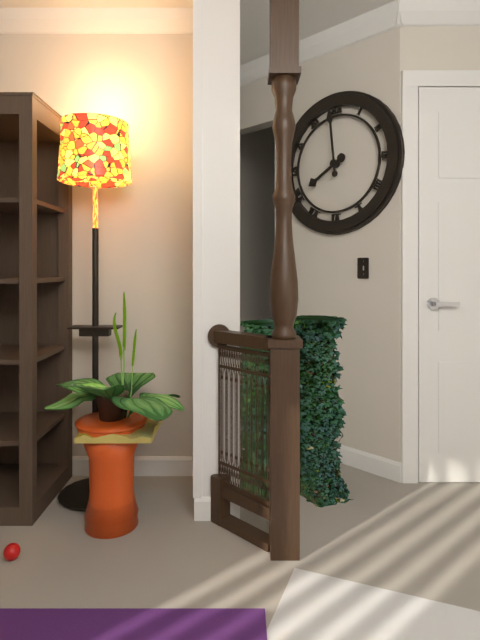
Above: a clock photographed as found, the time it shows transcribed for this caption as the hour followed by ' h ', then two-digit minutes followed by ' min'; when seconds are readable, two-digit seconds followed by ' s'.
7 h 59 min
